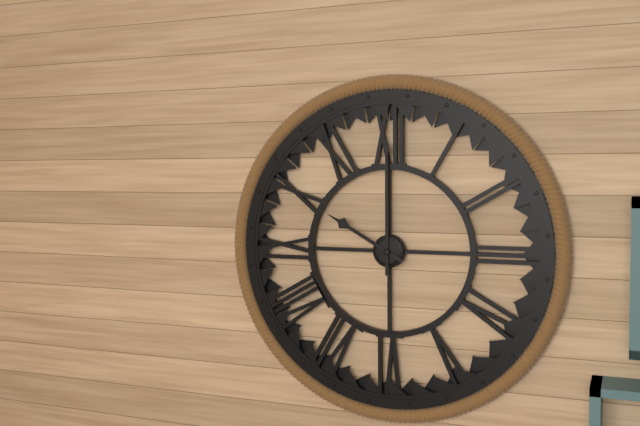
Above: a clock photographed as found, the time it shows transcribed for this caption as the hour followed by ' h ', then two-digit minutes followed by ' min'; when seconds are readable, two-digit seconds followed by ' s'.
10 h 00 min
